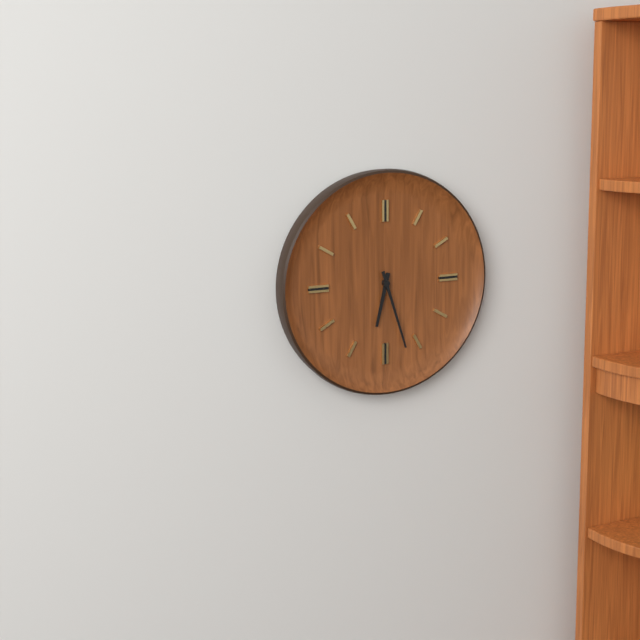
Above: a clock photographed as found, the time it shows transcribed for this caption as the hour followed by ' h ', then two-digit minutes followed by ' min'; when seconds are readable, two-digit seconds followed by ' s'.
6 h 27 min
